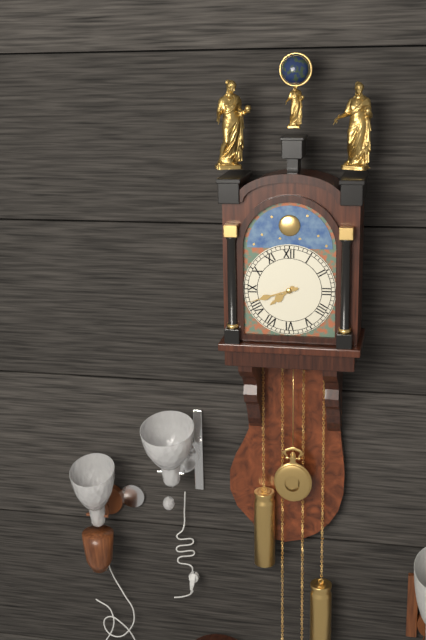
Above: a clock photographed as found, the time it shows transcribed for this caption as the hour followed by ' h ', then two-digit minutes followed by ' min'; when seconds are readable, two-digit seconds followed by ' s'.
7 h 42 min
